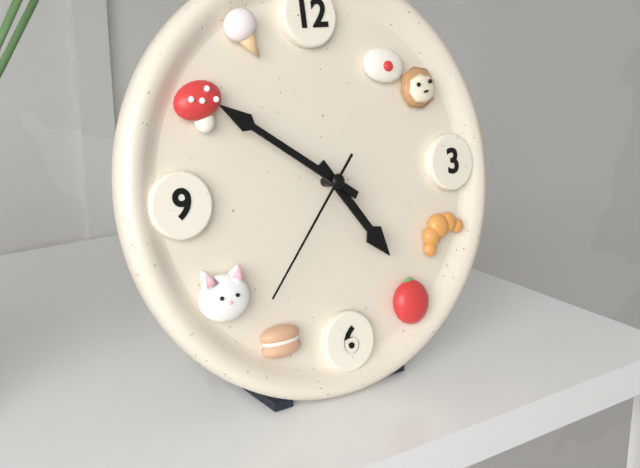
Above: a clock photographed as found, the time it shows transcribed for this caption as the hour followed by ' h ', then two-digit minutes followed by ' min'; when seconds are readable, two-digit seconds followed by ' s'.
4 h 51 min 37 s
